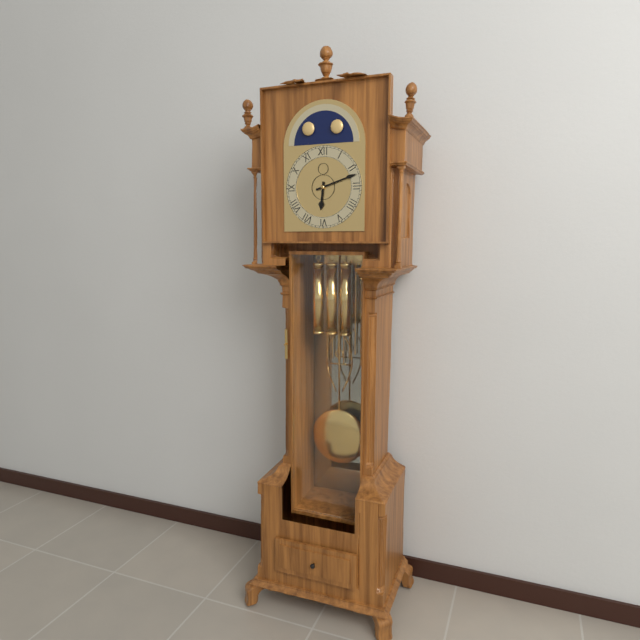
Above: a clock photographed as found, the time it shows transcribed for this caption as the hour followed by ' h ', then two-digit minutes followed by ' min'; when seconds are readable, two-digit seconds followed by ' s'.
6 h 12 min
